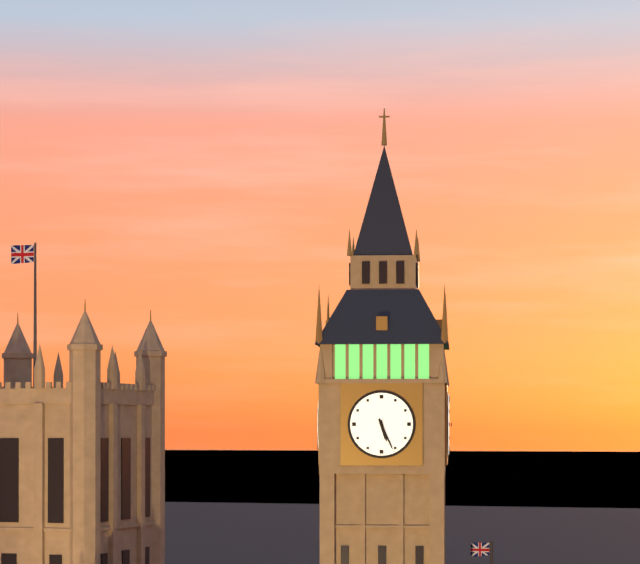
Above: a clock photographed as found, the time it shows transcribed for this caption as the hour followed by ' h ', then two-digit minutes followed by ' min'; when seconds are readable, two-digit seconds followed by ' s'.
5 h 26 min
